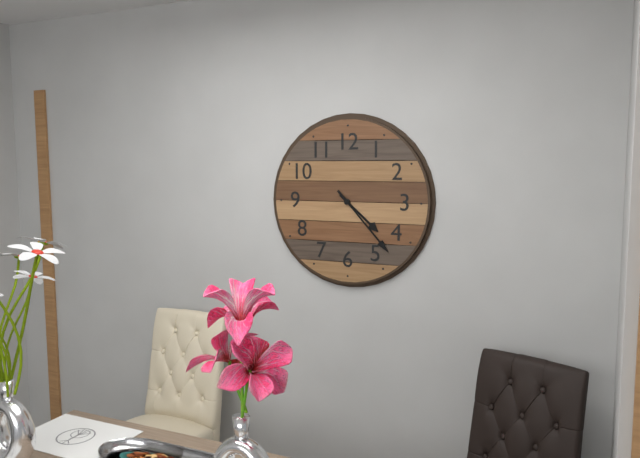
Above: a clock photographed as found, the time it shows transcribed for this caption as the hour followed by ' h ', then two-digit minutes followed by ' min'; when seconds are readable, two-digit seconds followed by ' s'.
4 h 23 min
